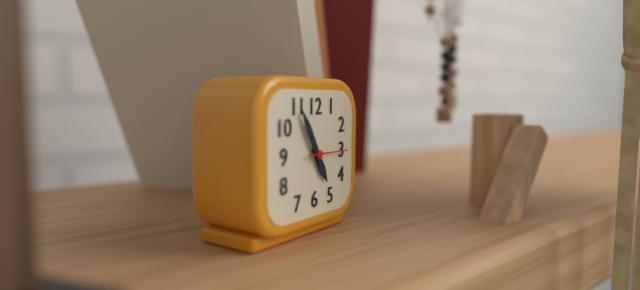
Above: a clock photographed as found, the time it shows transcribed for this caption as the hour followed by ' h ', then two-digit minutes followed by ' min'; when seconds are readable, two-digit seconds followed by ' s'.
4 h 55 min 15 s
